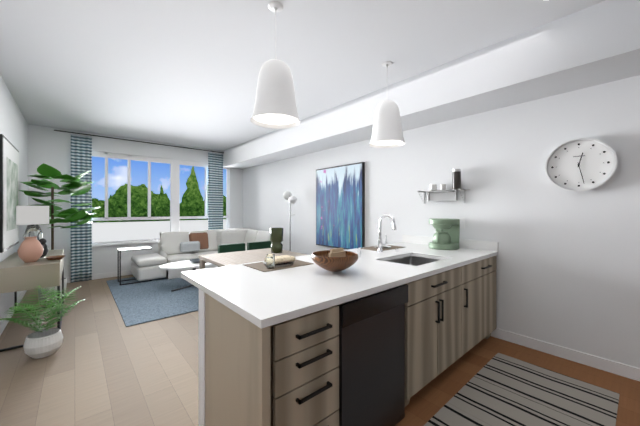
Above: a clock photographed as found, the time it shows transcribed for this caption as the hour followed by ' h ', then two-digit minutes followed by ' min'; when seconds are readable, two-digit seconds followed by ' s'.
12 h 28 min
